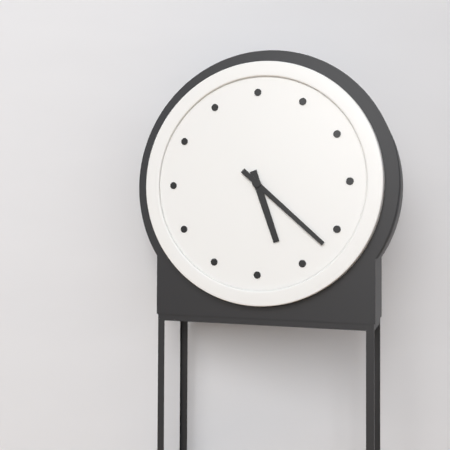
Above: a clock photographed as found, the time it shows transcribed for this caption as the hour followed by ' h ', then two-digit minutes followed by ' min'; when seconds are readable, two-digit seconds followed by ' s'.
5 h 22 min
